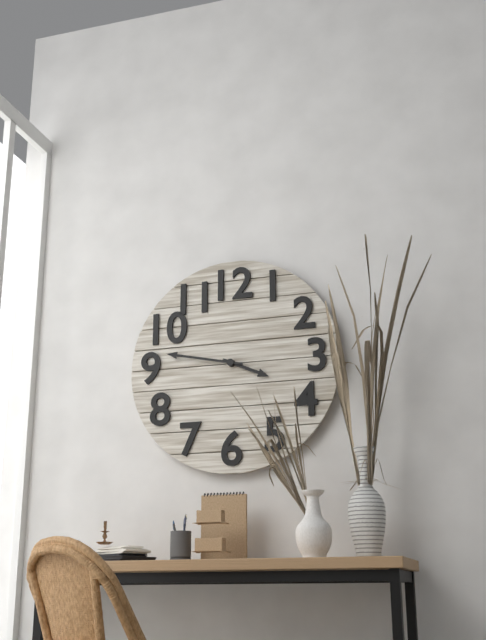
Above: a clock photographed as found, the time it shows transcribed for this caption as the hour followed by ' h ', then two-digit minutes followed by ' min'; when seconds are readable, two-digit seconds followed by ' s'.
3 h 47 min
